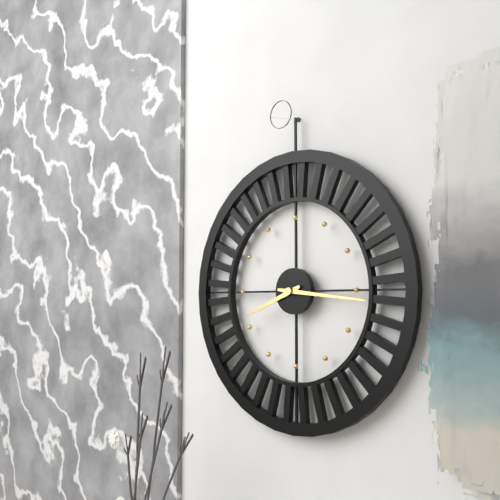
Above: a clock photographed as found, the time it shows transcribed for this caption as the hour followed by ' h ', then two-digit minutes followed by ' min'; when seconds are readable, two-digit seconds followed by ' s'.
8 h 16 min
